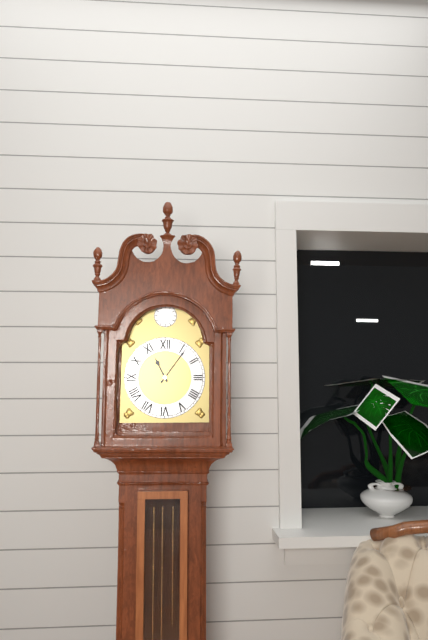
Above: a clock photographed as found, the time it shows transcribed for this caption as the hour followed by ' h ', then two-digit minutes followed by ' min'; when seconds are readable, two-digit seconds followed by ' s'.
11 h 06 min
